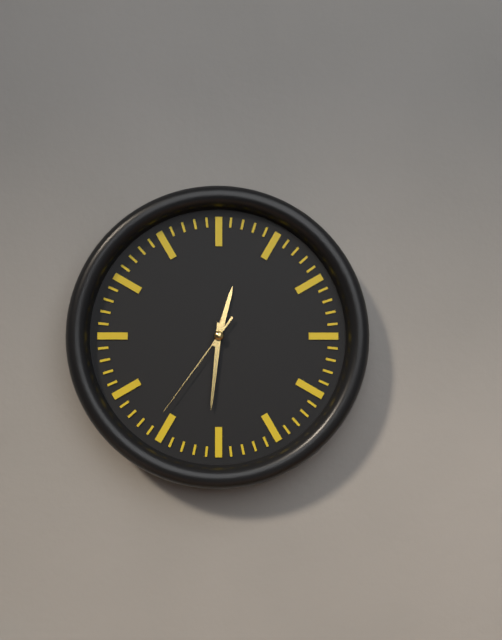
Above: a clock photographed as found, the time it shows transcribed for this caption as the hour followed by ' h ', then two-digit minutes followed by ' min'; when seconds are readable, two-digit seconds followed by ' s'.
12 h 31 min 36 s
